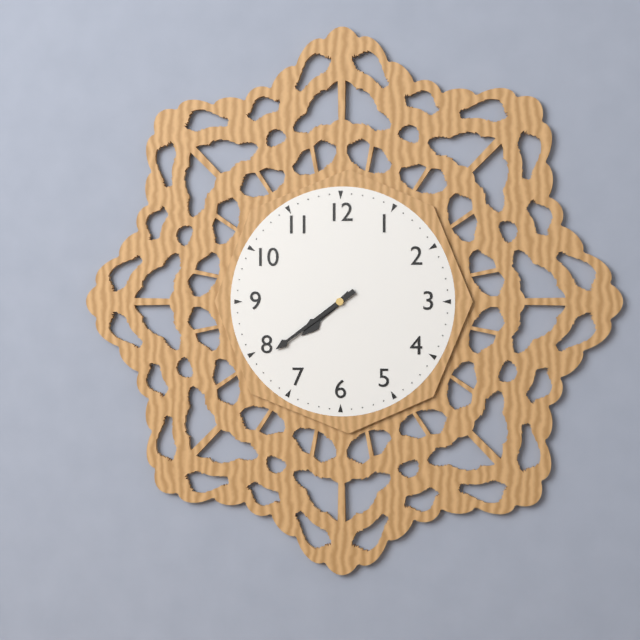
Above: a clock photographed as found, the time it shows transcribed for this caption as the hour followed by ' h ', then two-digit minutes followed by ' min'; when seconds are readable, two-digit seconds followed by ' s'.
7 h 39 min
